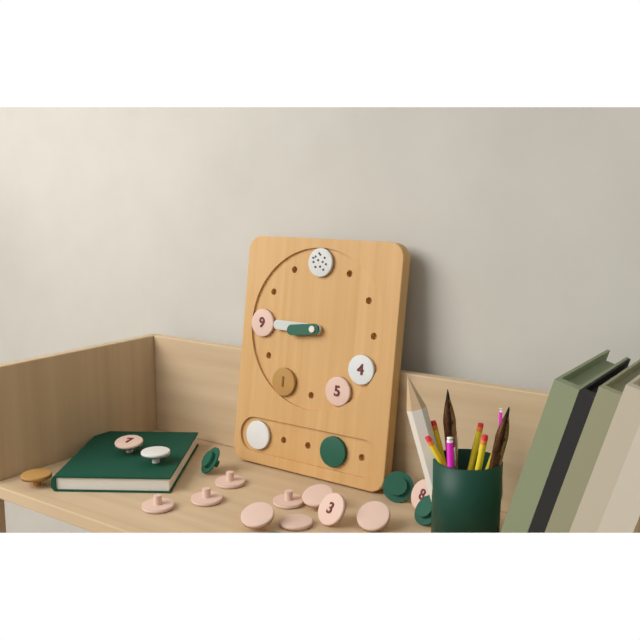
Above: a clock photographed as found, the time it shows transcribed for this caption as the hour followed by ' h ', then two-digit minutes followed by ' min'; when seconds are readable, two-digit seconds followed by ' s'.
8 h 45 min
